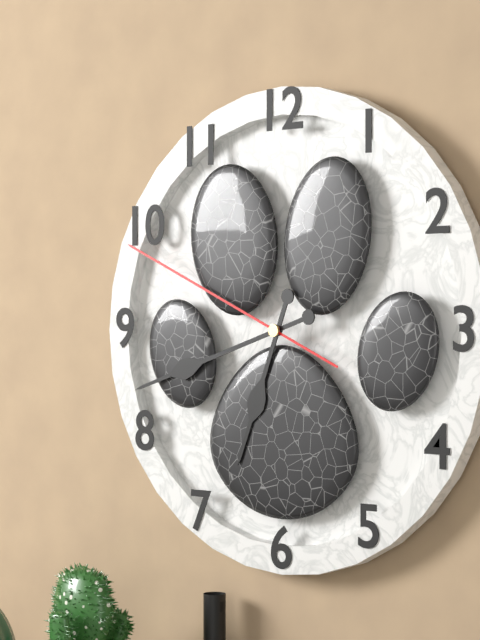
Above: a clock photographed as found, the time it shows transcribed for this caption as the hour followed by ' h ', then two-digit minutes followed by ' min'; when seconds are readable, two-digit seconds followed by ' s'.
6 h 42 min 49 s
